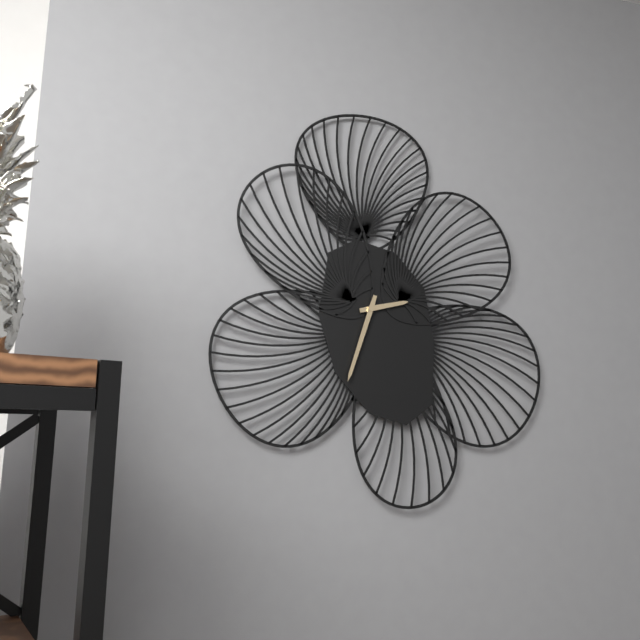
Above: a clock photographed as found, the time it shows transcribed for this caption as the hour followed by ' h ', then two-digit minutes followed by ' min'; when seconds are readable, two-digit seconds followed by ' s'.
2 h 33 min
